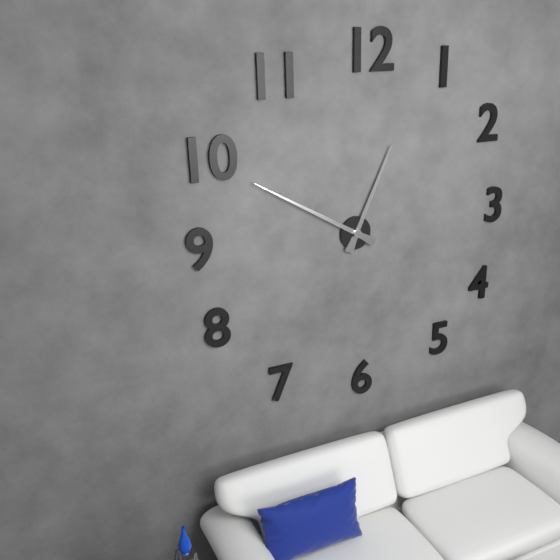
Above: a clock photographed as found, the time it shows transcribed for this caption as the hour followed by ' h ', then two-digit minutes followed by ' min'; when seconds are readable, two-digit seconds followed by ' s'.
12 h 50 min
